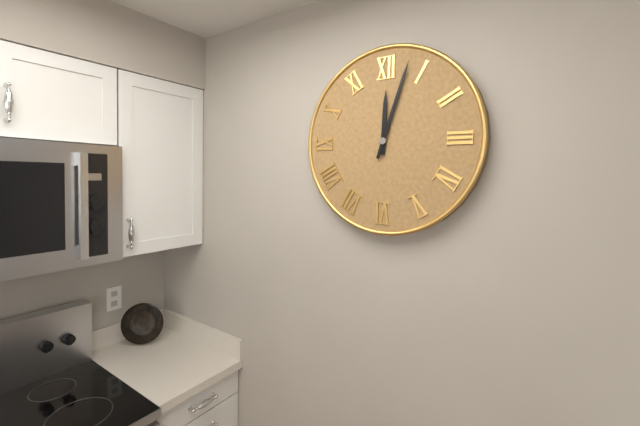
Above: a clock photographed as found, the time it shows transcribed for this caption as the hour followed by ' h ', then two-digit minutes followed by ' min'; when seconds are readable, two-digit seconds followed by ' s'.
12 h 03 min
